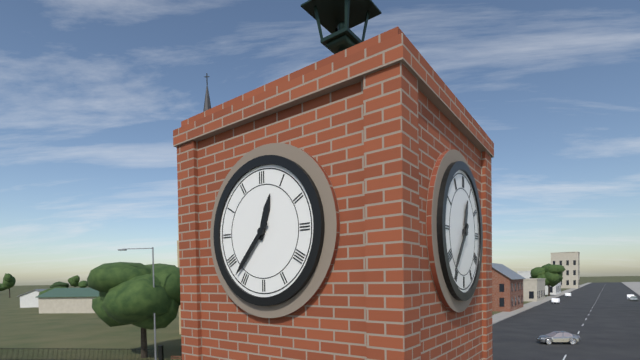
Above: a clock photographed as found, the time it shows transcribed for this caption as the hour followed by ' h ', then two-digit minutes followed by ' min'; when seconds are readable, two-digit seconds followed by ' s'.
12 h 37 min
